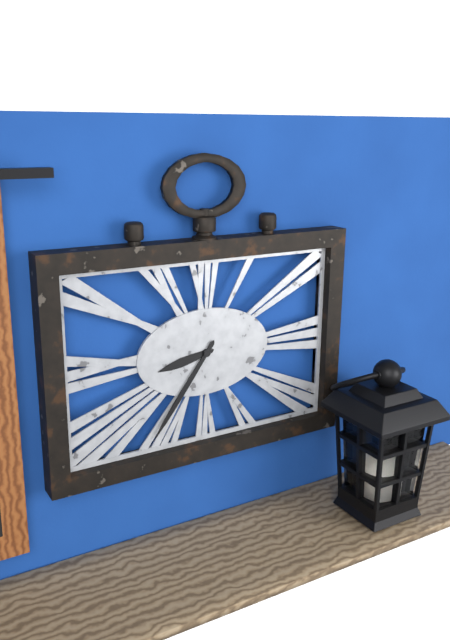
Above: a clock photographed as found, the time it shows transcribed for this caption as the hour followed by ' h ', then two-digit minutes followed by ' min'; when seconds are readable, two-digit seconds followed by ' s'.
8 h 36 min
